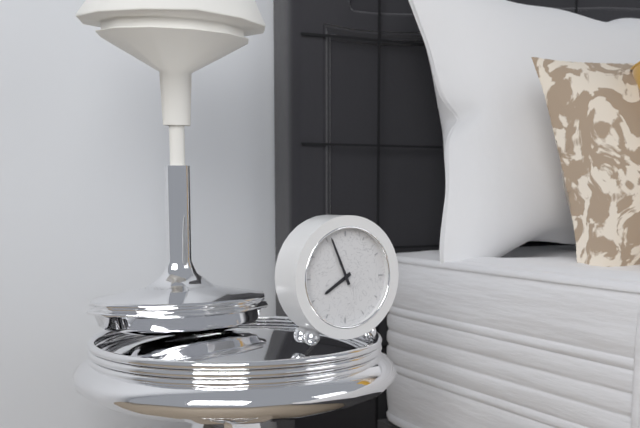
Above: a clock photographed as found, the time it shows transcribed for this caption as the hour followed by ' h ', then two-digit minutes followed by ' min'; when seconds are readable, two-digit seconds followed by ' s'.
7 h 56 min
